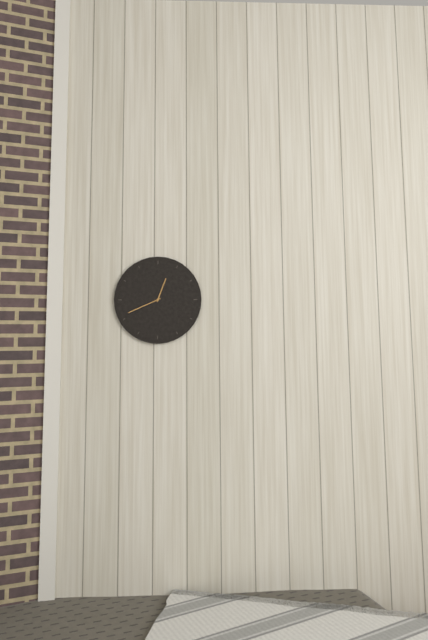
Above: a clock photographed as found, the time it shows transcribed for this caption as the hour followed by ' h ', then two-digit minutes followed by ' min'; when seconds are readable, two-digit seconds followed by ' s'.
12 h 41 min
